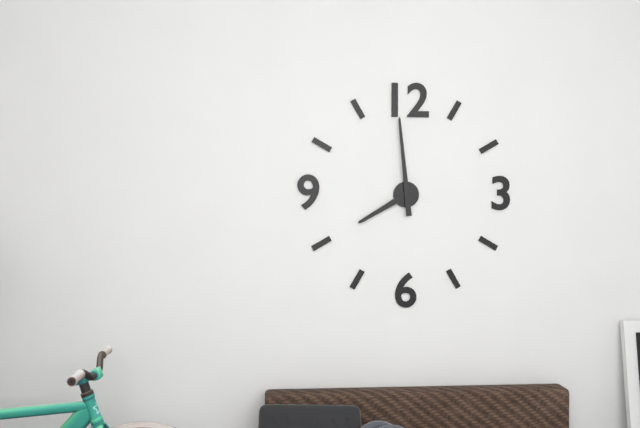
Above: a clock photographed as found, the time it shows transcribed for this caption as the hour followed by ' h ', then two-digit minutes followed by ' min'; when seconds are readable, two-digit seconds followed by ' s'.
7 h 59 min
